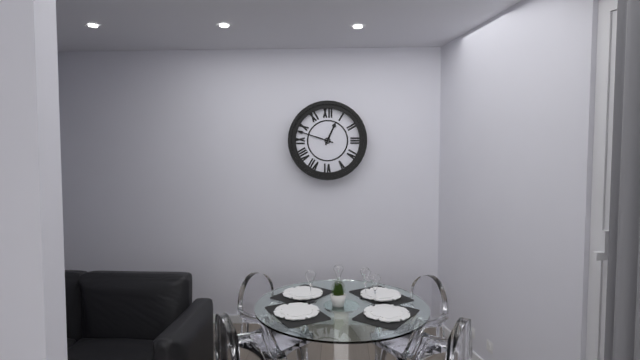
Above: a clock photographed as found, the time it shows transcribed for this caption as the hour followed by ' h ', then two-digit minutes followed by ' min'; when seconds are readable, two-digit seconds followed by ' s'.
12 h 48 min
